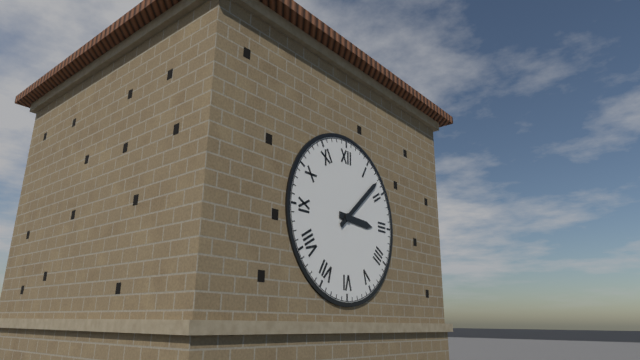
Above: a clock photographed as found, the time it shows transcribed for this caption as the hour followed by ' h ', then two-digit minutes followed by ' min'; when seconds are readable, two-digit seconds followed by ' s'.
3 h 08 min
